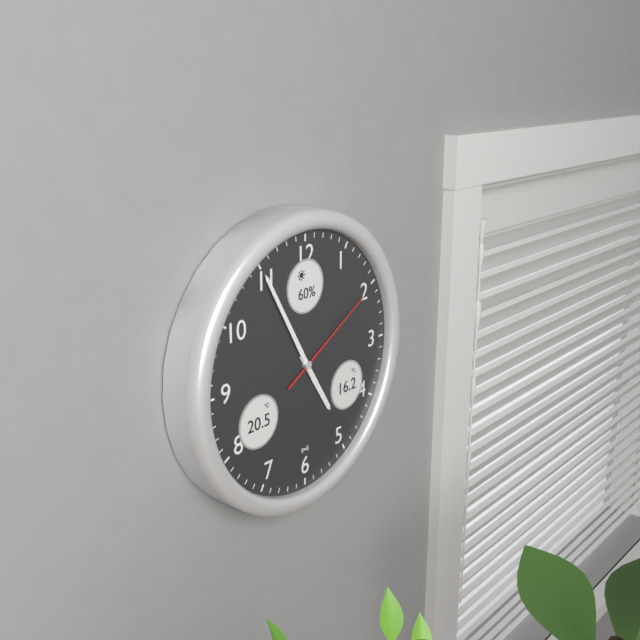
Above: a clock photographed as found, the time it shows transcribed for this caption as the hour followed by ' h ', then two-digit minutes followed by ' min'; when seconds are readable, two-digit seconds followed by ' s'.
4 h 55 min 10 s
